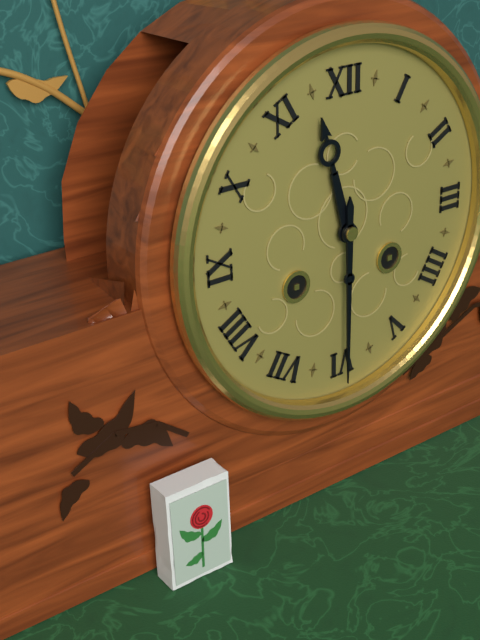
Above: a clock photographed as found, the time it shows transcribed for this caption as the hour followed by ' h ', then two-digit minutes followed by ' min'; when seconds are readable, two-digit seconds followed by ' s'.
11 h 30 min
